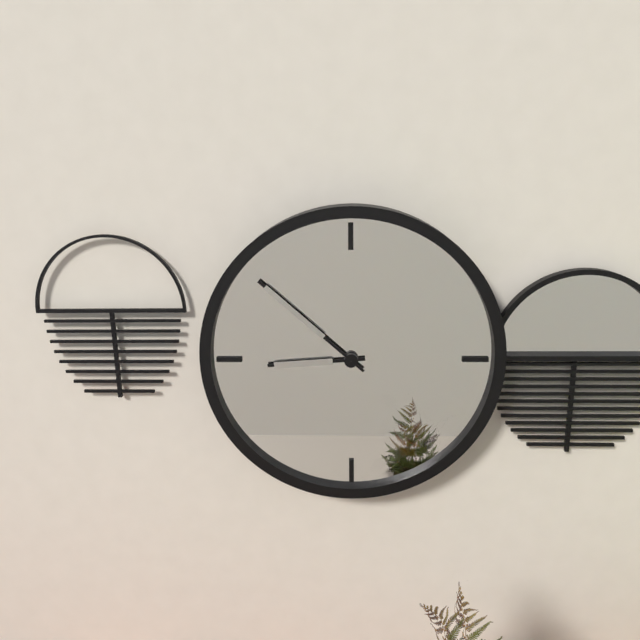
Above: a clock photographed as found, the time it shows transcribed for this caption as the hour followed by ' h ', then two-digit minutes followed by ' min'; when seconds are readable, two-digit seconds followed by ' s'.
8 h 52 min
